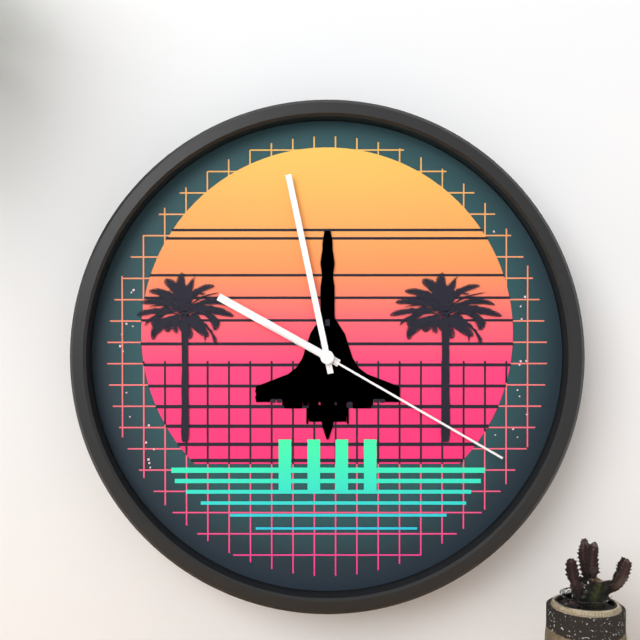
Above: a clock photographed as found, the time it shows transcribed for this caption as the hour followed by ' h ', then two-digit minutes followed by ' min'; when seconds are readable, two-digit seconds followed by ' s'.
9 h 58 min 20 s
